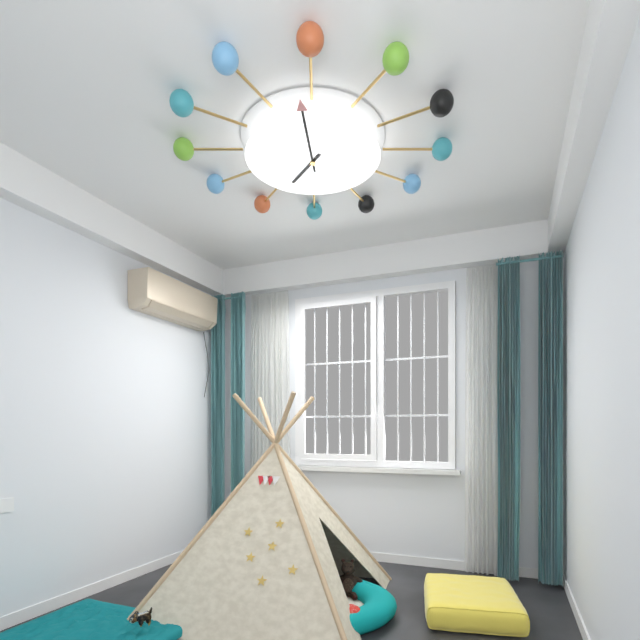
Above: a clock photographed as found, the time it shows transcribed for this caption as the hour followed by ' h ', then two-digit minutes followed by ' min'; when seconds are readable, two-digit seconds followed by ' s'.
6 h 59 min
